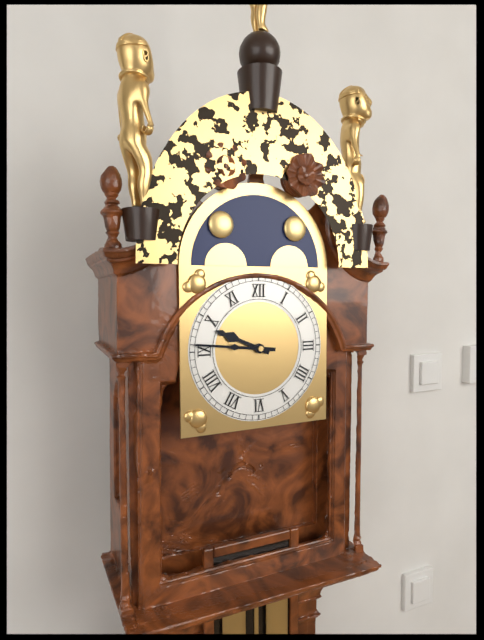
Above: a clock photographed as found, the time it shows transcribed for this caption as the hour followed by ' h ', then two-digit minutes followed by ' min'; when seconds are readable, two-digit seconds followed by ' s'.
9 h 46 min
